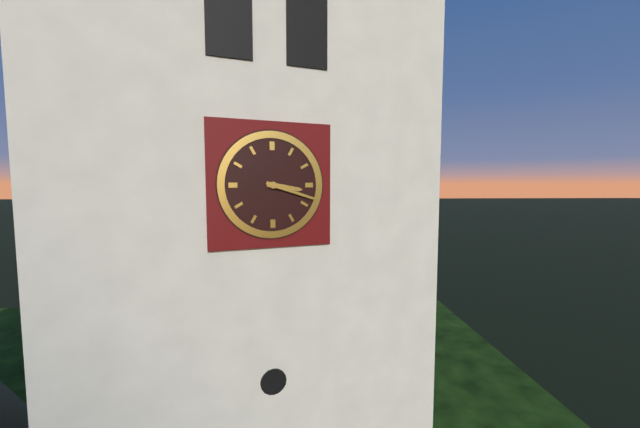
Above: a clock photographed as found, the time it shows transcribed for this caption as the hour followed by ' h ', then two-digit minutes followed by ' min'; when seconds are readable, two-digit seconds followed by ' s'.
3 h 18 min
